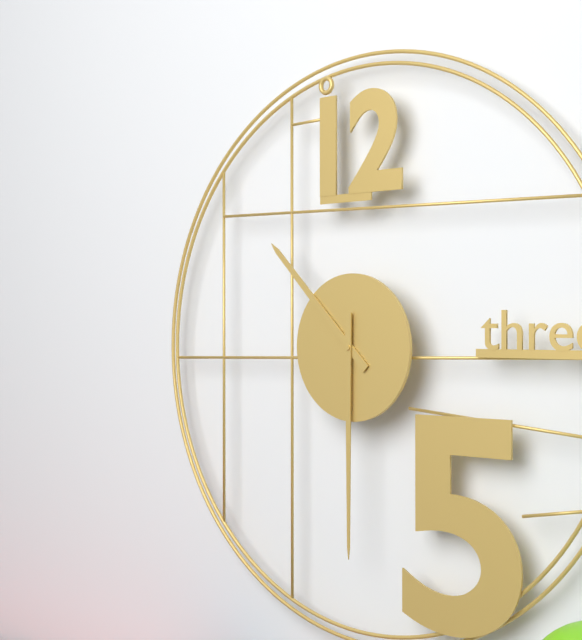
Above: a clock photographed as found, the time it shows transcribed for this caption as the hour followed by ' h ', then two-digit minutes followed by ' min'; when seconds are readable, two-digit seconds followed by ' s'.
10 h 30 min
